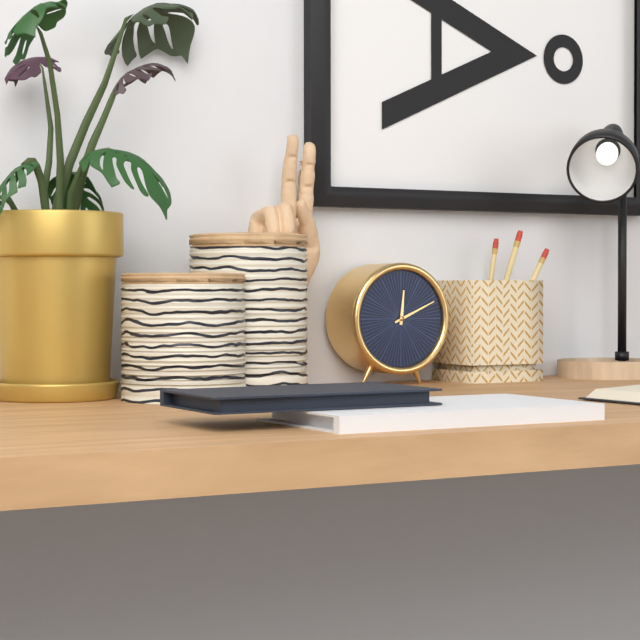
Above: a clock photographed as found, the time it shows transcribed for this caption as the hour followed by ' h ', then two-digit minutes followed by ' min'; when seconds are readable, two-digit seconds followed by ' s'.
12 h 11 min
